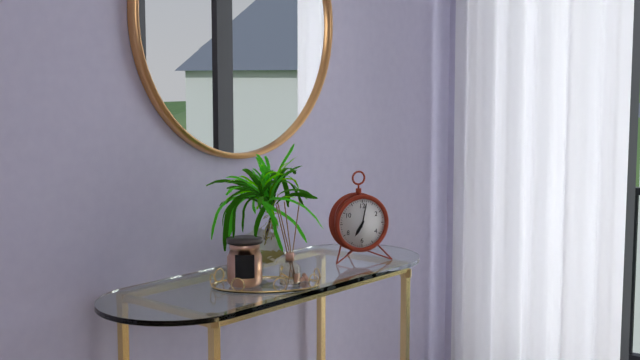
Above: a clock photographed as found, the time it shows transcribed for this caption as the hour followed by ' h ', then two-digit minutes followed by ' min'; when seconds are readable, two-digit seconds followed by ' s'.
7 h 02 min
